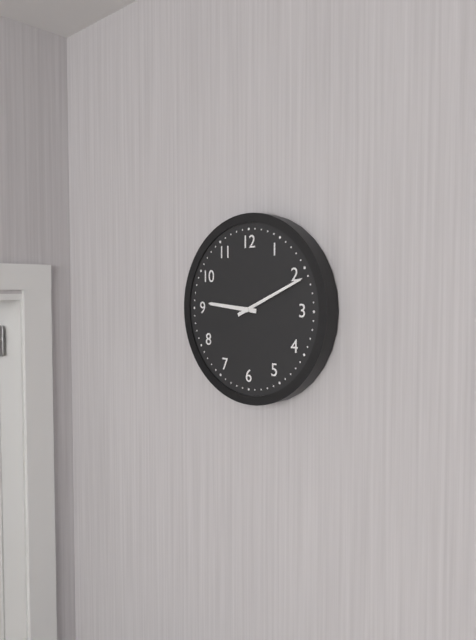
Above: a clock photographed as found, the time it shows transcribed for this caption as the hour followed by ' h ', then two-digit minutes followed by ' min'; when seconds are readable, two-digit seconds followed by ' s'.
9 h 11 min
